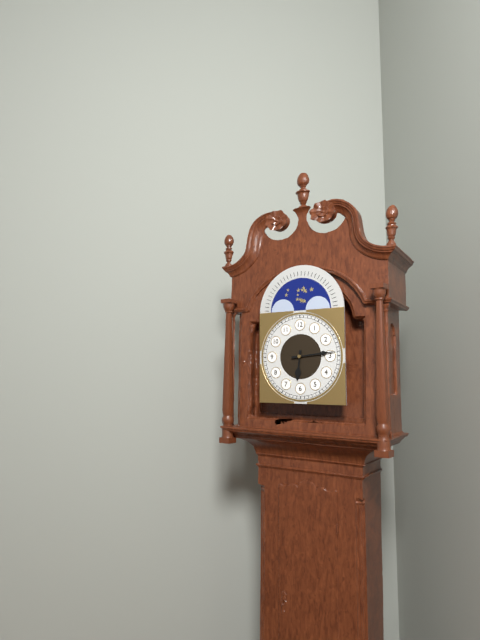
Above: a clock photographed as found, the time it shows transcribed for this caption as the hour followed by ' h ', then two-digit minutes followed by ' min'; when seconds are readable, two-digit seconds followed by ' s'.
6 h 14 min
